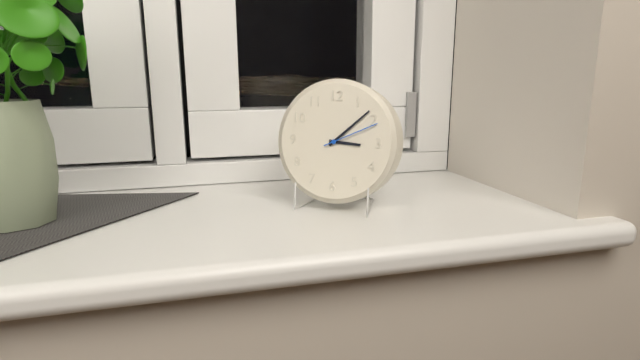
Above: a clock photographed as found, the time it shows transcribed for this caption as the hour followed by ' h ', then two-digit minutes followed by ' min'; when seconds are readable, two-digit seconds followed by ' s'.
3 h 08 min 11 s
